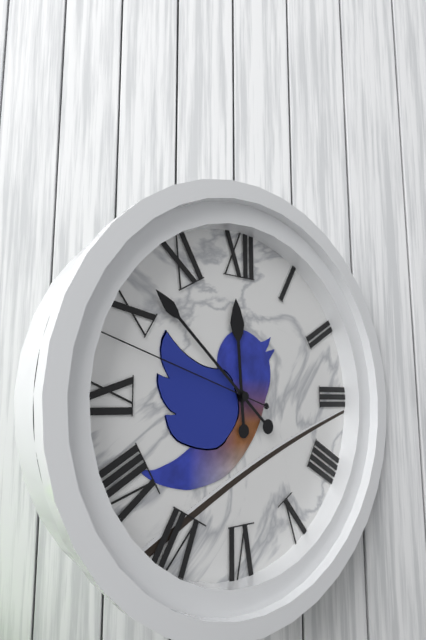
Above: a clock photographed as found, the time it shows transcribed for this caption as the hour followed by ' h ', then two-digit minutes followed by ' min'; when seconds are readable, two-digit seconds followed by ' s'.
11 h 52 min 48 s
